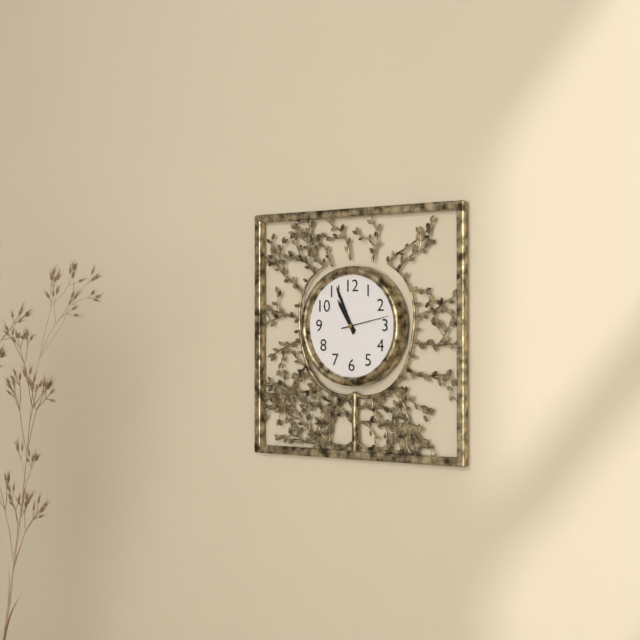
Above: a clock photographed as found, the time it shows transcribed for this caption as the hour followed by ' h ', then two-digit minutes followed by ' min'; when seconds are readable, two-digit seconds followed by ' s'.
10 h 56 min
